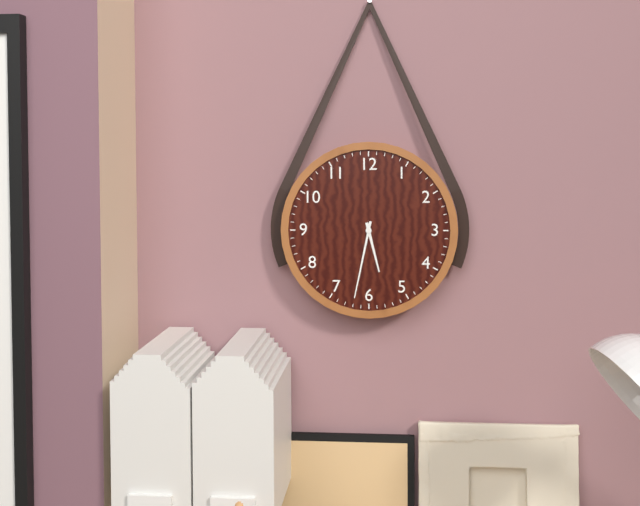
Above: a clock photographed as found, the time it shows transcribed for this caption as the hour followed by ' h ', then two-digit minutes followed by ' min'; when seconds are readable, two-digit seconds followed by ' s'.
5 h 32 min
